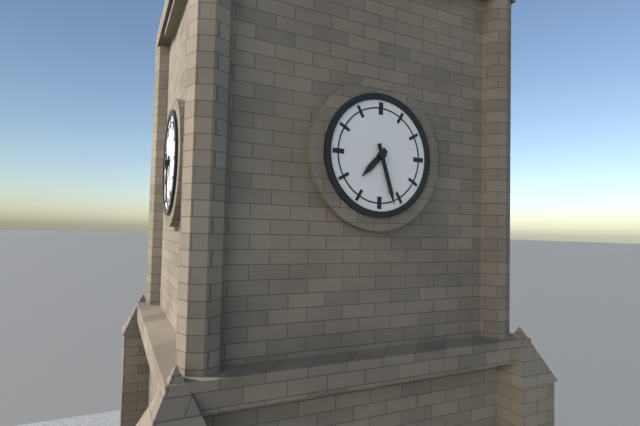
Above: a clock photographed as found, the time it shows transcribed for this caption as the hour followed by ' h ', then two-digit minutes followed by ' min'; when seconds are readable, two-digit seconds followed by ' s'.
7 h 27 min
